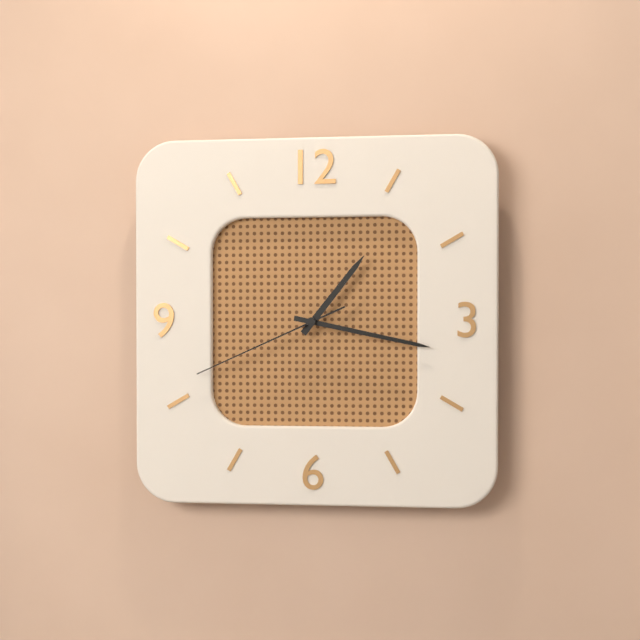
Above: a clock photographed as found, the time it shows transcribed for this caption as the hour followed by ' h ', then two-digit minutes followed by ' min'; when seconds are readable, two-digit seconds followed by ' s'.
1 h 17 min 41 s
